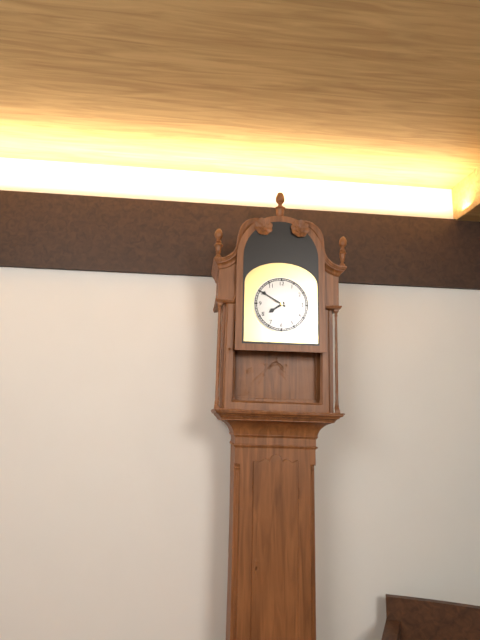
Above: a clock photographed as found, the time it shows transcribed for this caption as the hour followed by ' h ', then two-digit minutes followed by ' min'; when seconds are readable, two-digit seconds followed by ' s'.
7 h 50 min
